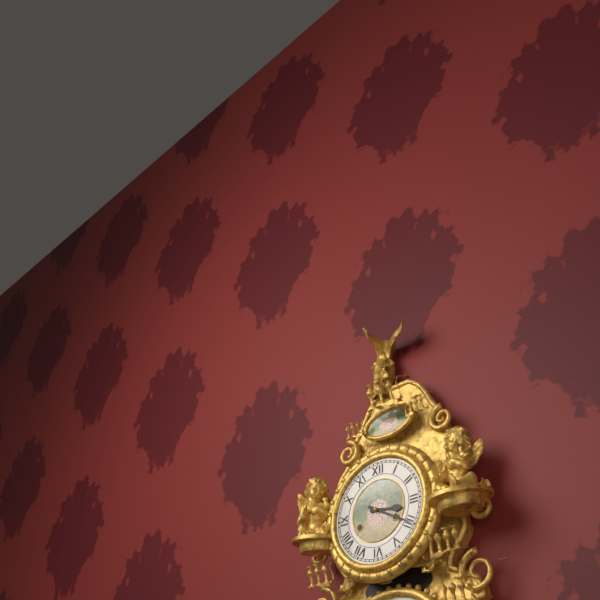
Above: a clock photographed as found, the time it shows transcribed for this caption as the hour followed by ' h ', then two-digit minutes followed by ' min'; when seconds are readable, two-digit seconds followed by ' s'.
3 h 20 min
